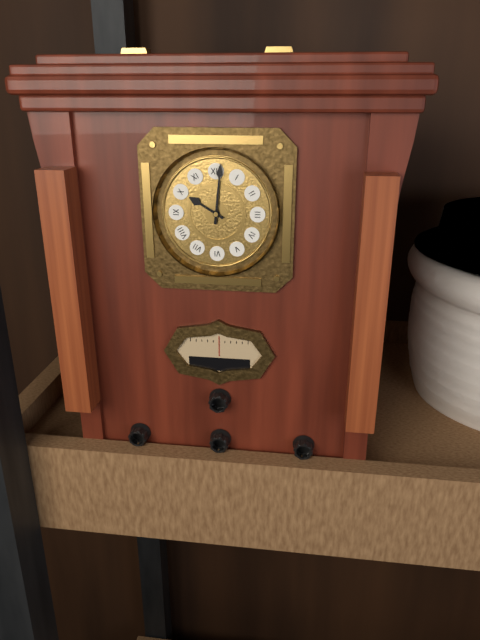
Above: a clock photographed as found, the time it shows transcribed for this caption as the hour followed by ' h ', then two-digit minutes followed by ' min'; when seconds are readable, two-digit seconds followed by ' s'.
10 h 01 min
